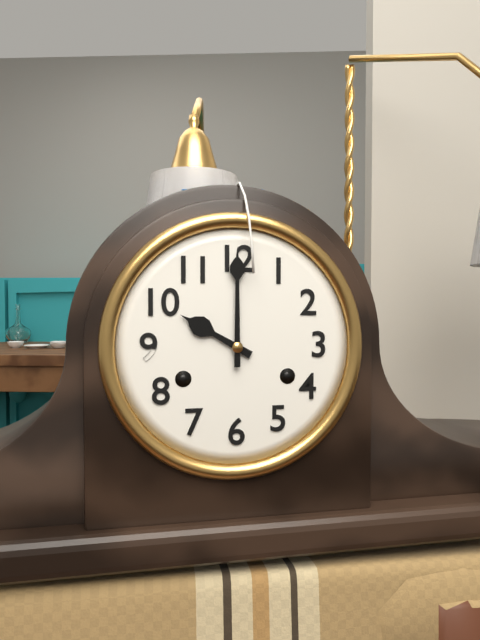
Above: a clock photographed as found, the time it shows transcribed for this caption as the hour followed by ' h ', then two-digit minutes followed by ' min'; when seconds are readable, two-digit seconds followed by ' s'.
10 h 00 min
